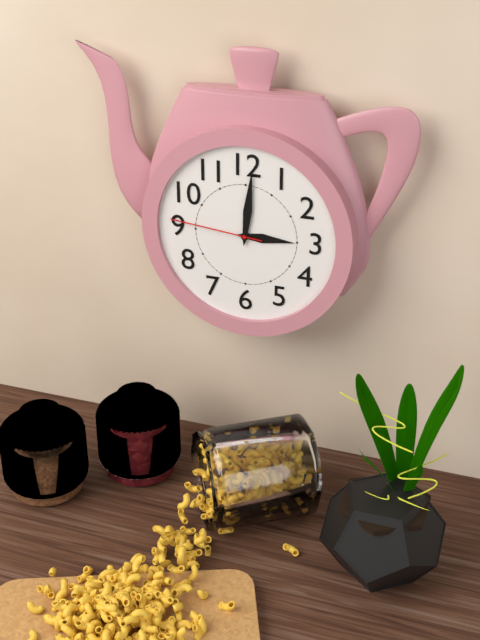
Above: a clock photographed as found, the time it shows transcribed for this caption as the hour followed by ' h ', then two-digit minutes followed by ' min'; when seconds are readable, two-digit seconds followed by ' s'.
3 h 01 min 46 s
